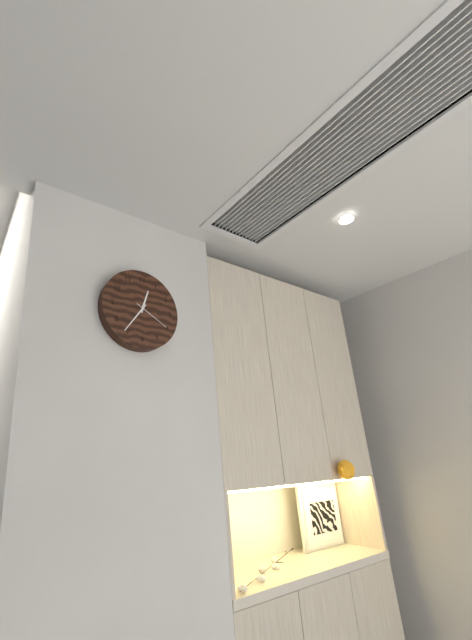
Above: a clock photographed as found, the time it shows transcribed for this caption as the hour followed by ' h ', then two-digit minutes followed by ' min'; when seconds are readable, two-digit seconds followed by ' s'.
12 h 36 min
